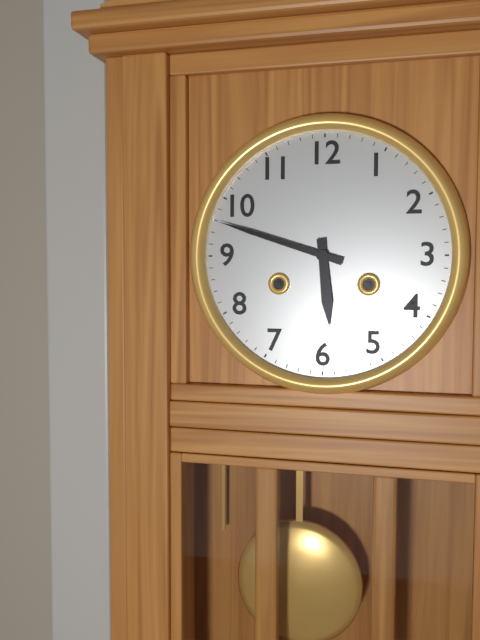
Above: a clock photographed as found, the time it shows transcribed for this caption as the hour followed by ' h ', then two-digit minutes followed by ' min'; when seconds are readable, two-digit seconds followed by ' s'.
5 h 48 min
